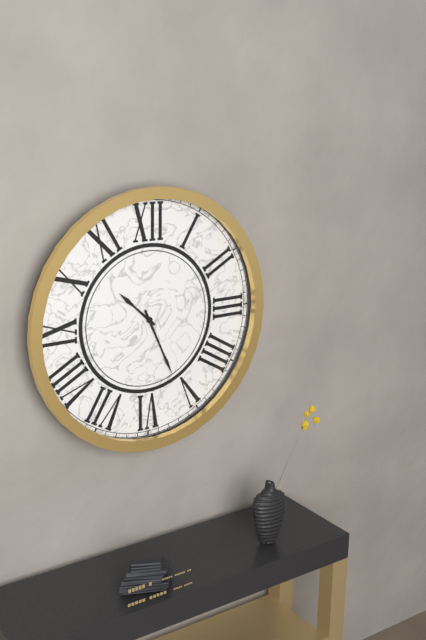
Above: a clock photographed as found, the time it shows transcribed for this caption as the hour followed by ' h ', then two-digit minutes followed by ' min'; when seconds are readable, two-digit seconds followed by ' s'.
10 h 26 min
